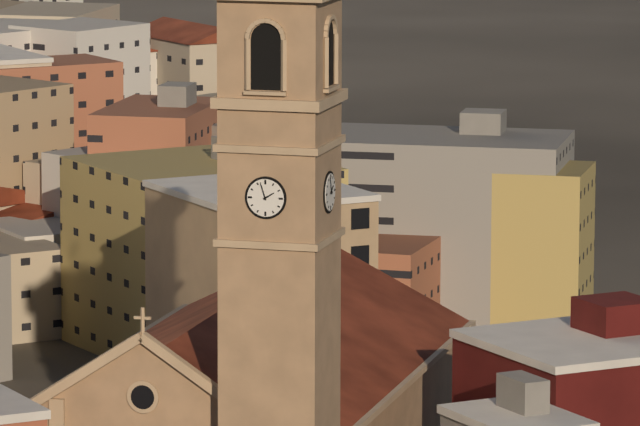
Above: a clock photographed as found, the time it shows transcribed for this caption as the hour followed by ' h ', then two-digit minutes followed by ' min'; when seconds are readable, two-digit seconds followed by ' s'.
1 h 57 min
